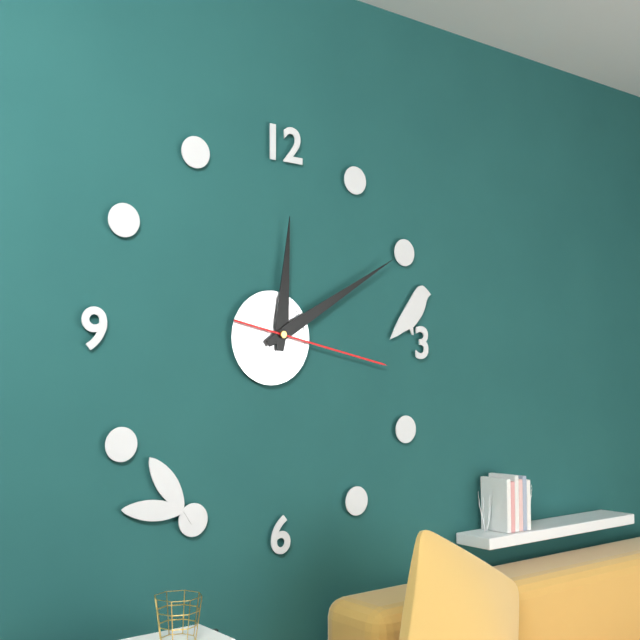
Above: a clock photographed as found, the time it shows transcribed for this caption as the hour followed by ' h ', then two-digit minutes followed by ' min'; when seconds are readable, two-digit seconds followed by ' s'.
12 h 10 min 17 s
